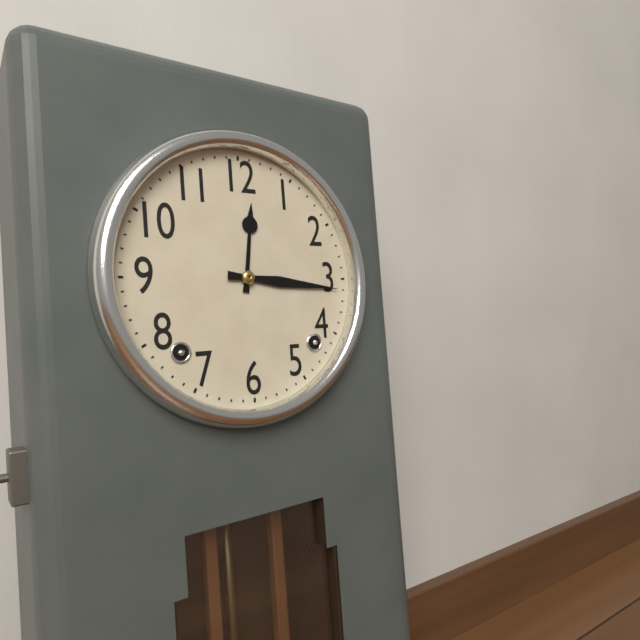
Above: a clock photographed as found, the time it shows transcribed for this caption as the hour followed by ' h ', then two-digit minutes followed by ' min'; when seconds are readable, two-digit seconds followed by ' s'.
12 h 16 min
